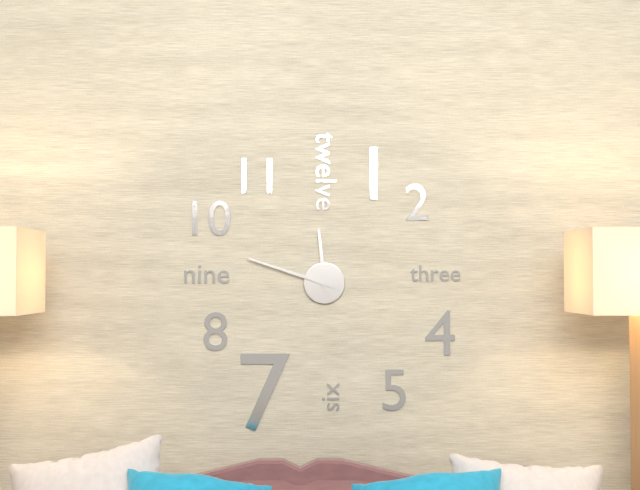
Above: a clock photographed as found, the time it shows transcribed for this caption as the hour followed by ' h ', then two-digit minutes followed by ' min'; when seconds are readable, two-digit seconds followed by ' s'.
11 h 48 min
